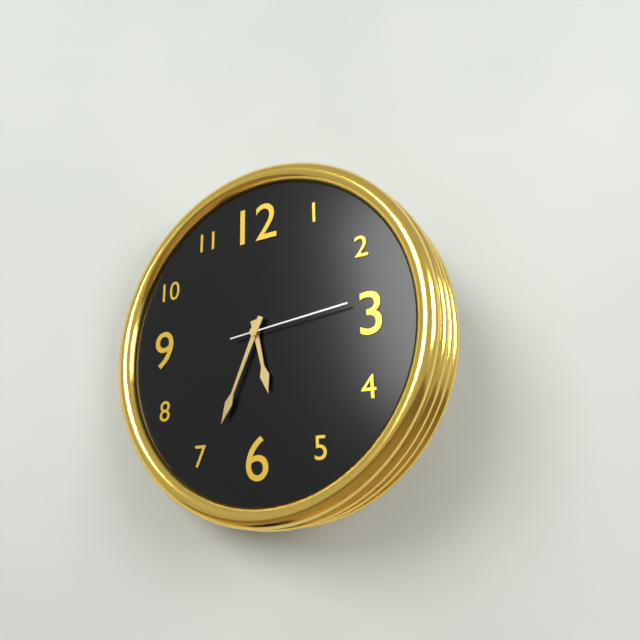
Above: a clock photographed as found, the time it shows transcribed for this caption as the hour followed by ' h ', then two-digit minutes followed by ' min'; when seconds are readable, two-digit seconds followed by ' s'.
5 h 34 min 14 s
